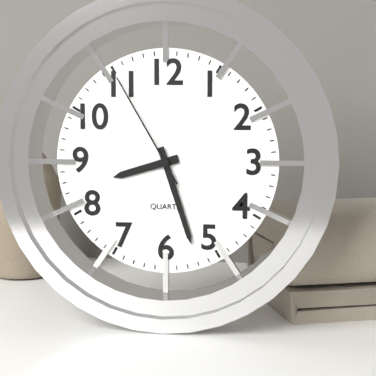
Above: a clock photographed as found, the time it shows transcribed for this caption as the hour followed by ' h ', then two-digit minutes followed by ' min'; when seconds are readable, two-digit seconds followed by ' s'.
8 h 27 min 55 s
